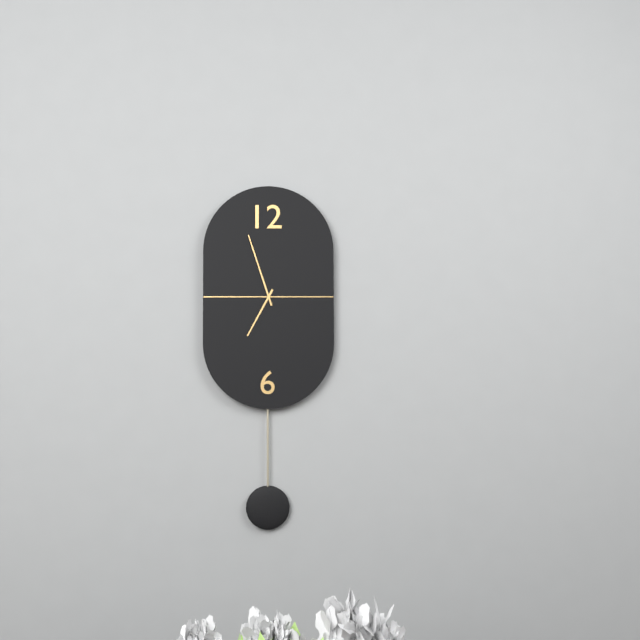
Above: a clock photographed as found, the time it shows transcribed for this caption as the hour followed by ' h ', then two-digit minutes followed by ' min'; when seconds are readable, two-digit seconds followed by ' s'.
6 h 57 min
